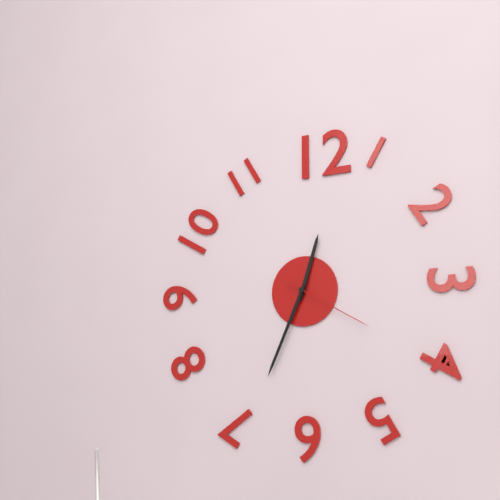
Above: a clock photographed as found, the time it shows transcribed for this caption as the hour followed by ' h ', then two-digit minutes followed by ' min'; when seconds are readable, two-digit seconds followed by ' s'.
12 h 34 min 20 s
